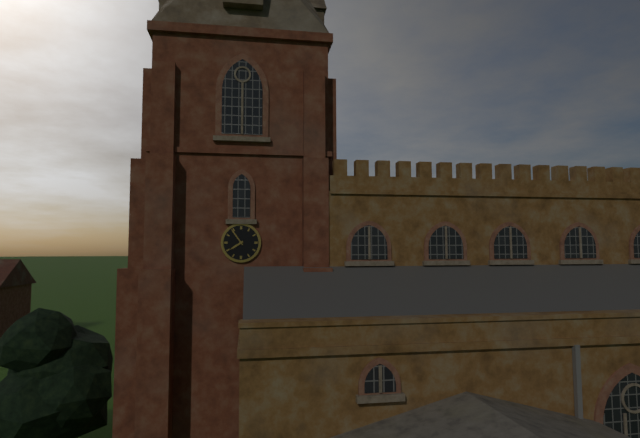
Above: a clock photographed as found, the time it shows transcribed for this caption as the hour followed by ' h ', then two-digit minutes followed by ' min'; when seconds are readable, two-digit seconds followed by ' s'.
7 h 54 min
